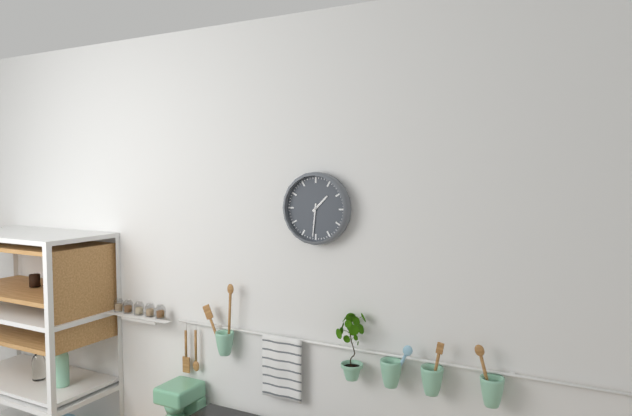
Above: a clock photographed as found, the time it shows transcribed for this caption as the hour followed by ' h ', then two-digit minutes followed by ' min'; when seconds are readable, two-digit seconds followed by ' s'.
1 h 31 min
